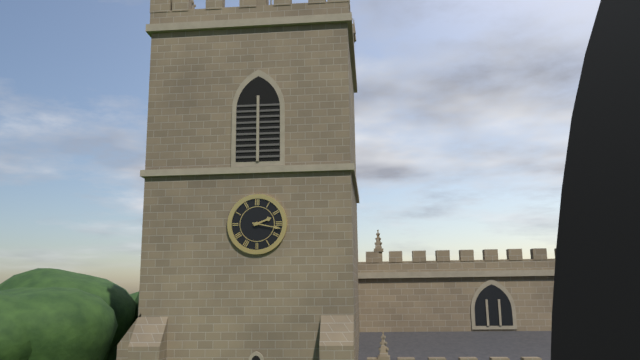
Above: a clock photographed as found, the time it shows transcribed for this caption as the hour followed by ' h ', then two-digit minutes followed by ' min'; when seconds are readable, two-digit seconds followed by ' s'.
2 h 17 min
